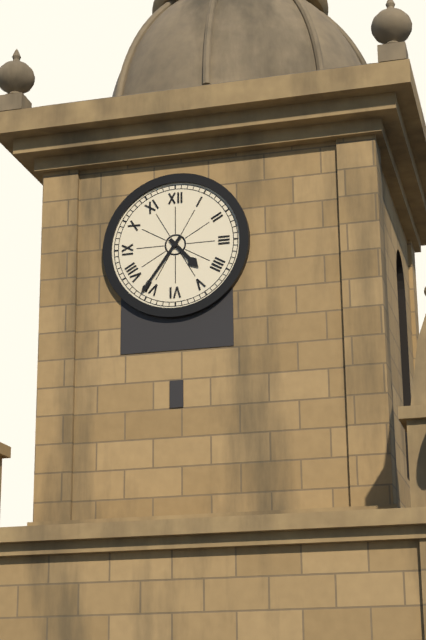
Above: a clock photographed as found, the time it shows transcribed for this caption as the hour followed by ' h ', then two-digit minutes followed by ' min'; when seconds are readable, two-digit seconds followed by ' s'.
4 h 36 min
